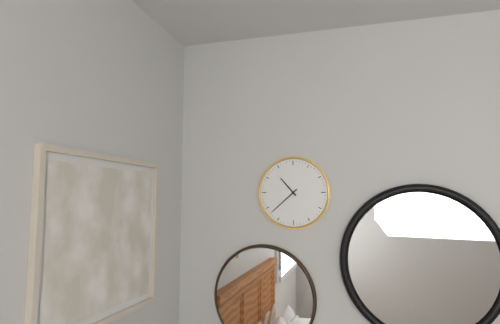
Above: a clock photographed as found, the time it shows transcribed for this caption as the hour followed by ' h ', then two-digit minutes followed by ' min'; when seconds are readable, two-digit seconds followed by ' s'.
10 h 38 min
